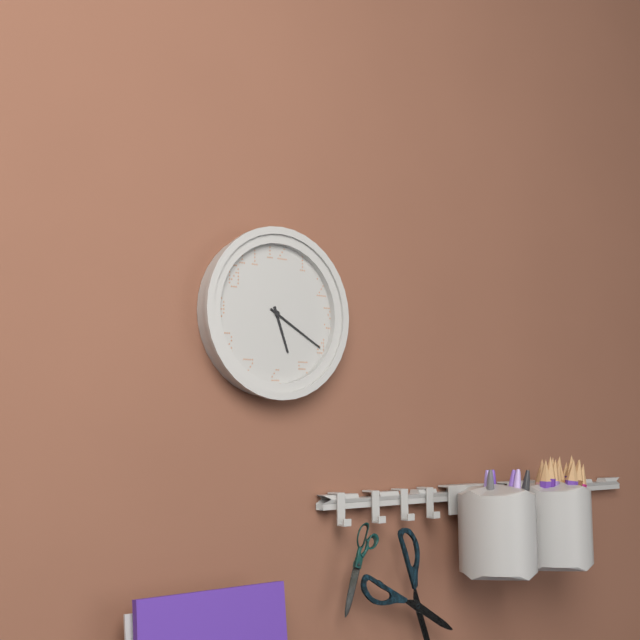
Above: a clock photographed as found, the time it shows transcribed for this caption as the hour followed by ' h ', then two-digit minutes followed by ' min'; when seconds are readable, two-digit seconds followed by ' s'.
5 h 20 min
